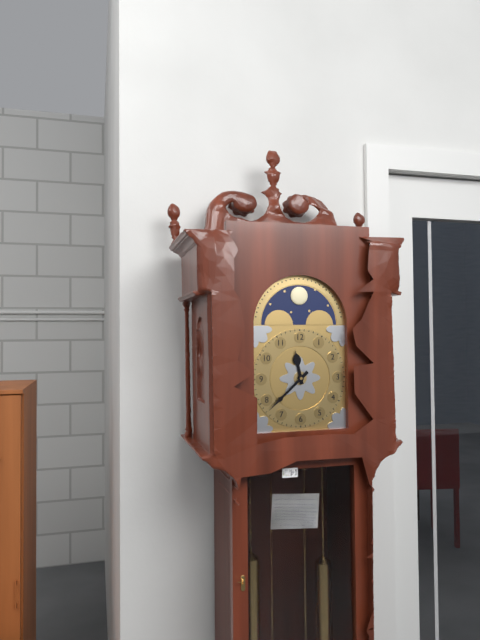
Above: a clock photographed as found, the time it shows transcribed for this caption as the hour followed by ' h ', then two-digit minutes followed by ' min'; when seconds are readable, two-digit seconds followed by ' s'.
11 h 38 min
